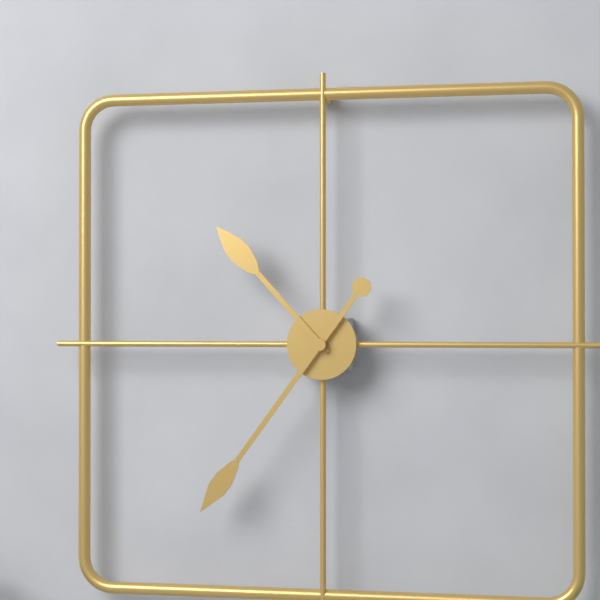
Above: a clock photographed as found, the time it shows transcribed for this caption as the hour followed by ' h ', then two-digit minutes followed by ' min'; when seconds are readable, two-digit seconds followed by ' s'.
10 h 36 min
